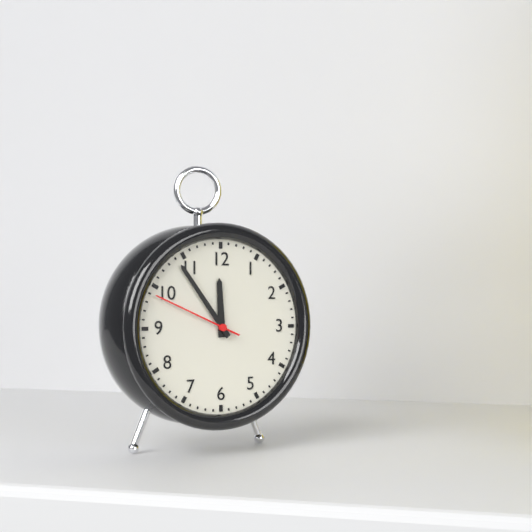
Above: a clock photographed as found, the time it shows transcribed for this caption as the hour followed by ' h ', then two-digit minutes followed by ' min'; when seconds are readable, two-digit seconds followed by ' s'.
11 h 54 min 49 s
